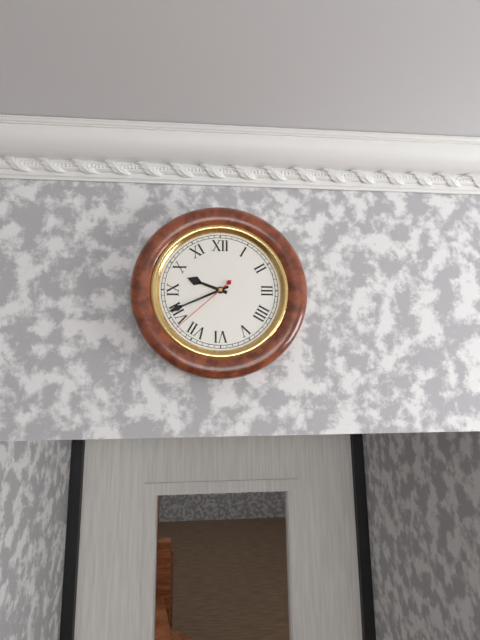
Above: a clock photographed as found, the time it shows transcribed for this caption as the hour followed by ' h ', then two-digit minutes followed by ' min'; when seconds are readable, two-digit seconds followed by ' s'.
9 h 41 min 38 s
